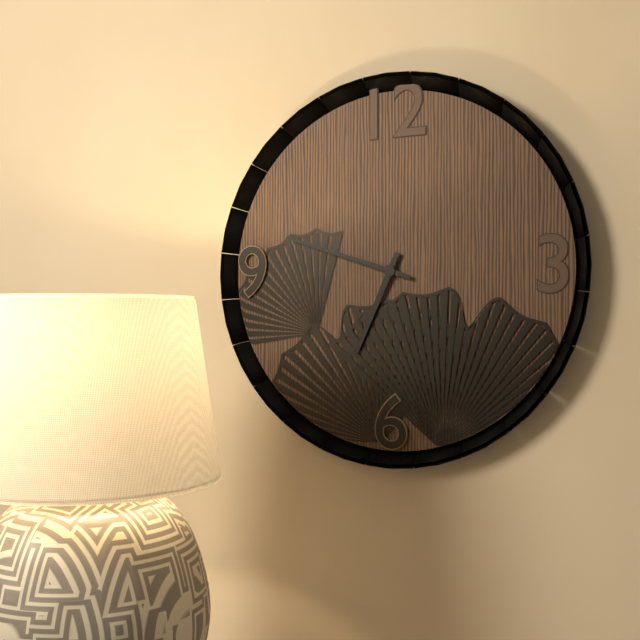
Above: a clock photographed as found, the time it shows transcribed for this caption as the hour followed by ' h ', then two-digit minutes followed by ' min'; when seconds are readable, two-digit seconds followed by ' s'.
6 h 48 min
